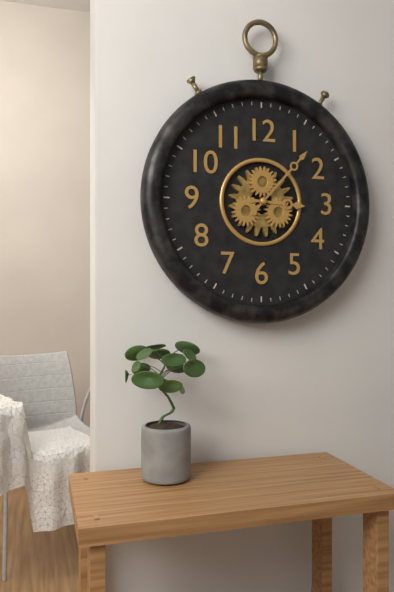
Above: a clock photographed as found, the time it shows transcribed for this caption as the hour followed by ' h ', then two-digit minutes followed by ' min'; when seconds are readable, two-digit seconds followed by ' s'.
3 h 07 min
